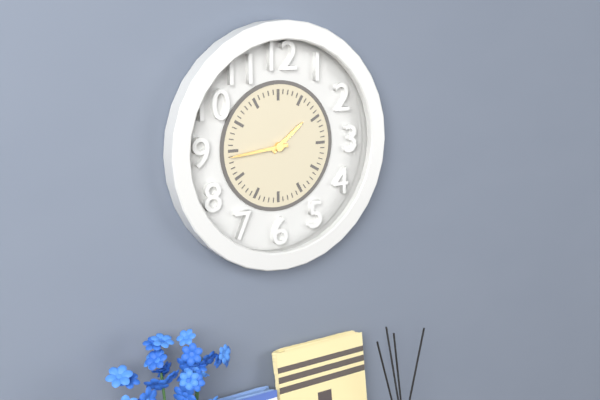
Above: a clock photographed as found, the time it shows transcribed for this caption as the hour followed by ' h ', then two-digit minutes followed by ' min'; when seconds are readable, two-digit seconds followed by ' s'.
1 h 44 min
